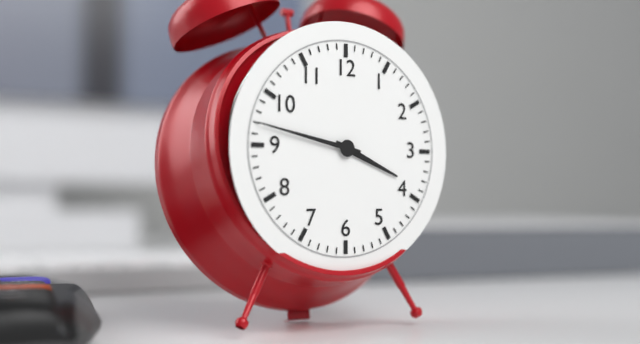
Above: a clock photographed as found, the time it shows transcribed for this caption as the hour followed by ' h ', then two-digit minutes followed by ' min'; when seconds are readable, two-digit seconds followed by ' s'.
3 h 47 min
